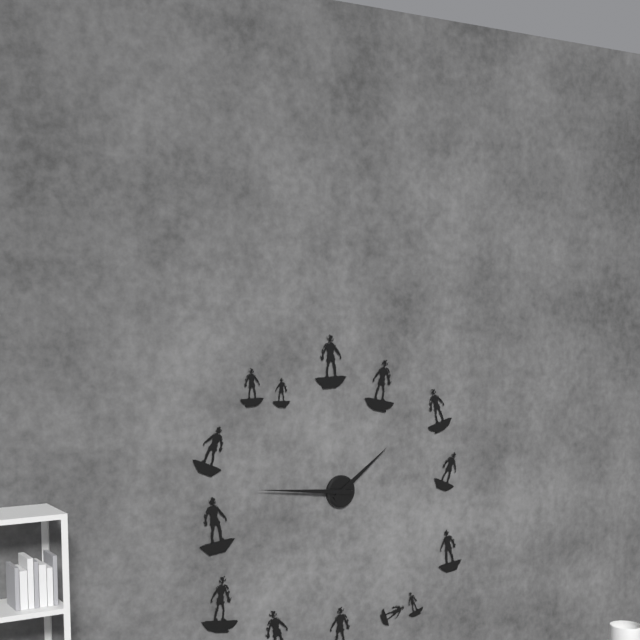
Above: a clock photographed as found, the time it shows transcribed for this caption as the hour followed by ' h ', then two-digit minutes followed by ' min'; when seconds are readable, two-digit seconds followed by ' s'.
1 h 46 min
